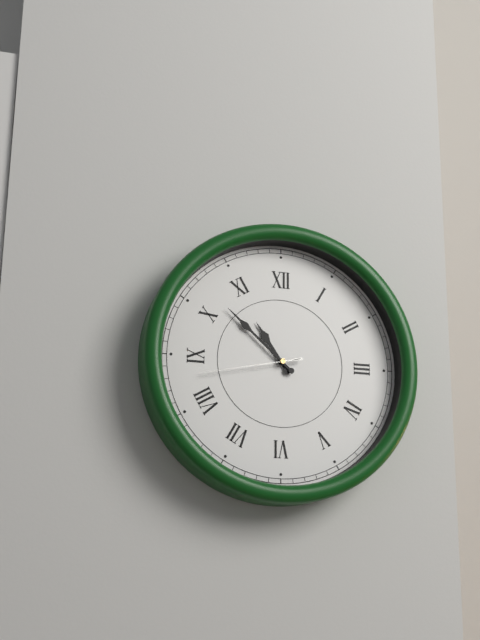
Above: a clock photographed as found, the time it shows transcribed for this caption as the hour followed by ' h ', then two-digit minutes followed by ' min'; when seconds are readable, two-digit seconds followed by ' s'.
10 h 52 min 43 s
